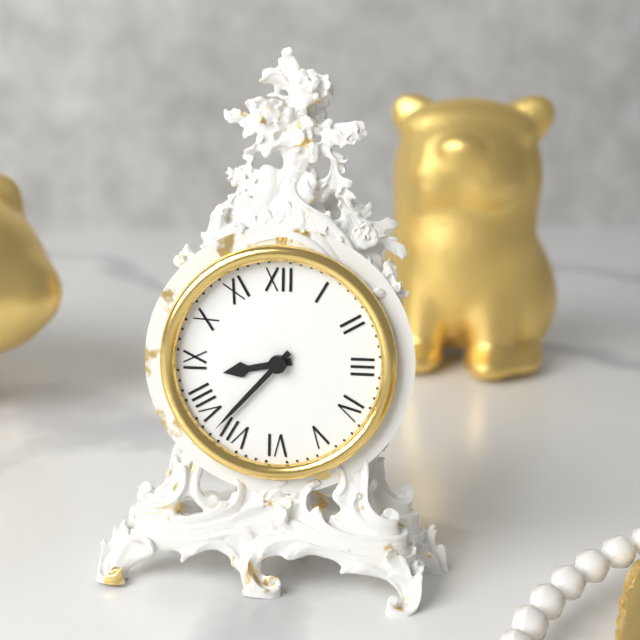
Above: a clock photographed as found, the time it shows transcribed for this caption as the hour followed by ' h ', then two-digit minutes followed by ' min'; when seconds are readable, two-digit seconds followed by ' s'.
8 h 37 min
